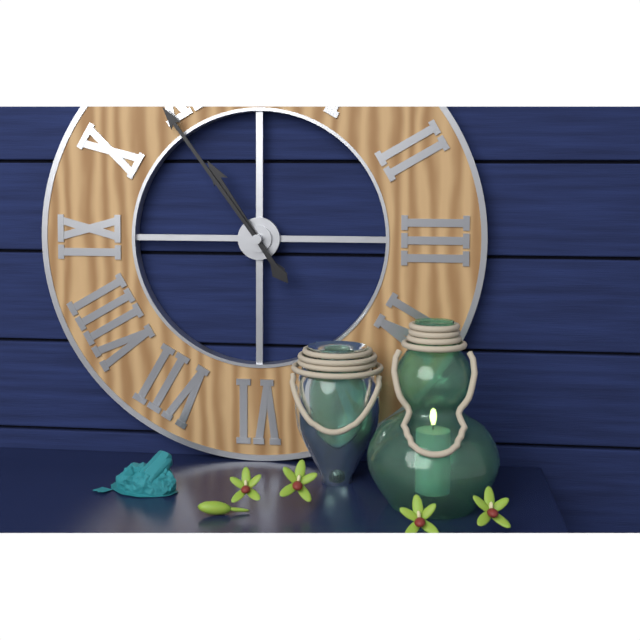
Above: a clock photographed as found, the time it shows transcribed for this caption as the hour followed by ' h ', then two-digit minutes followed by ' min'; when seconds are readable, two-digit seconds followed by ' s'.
10 h 54 min
